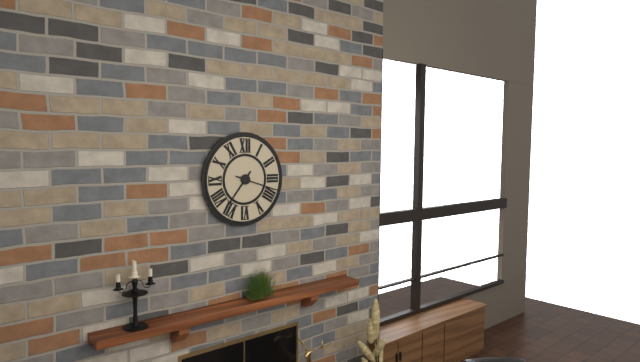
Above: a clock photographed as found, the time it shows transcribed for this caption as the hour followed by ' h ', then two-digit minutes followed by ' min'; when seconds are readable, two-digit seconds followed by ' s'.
7 h 18 min
